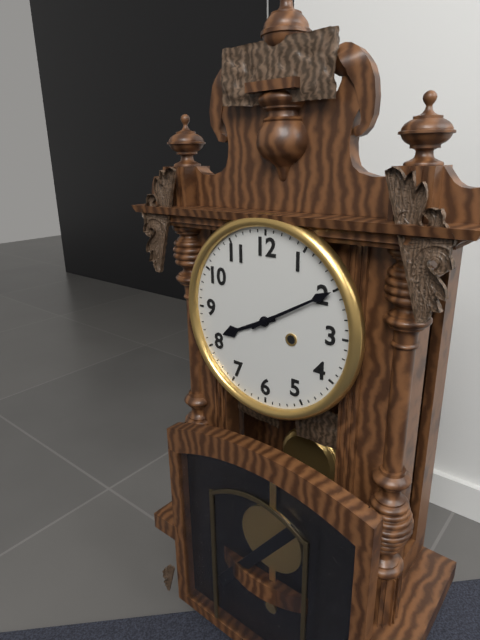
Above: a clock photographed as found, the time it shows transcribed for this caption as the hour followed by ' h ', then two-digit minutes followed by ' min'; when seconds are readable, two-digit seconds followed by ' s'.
8 h 10 min
